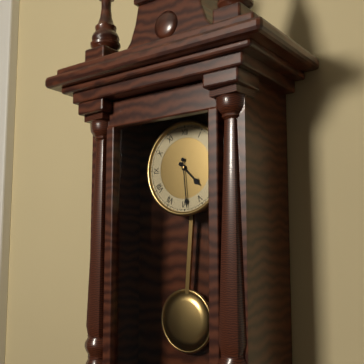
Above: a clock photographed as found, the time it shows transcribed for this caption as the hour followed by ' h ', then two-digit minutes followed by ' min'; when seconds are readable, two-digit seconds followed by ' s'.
4 h 29 min
